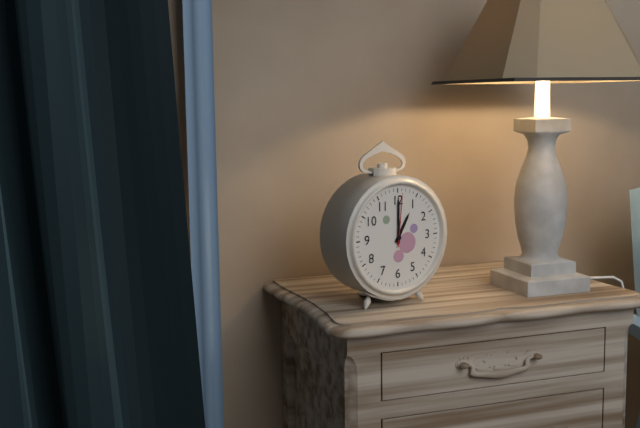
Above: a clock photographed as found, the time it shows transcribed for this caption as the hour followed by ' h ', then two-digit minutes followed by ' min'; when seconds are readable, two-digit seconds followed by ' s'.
1 h 00 min 01 s
